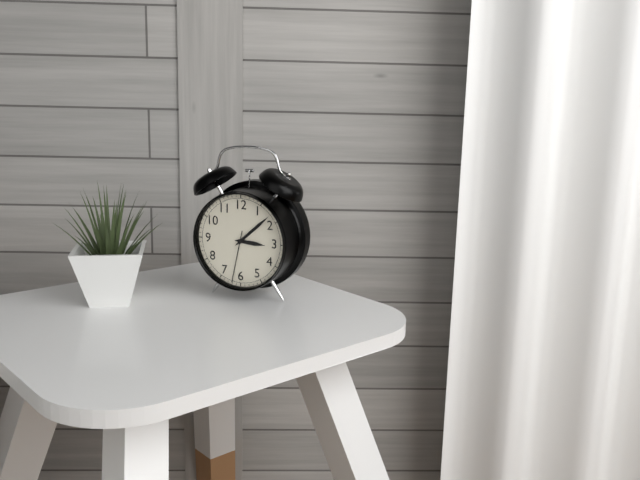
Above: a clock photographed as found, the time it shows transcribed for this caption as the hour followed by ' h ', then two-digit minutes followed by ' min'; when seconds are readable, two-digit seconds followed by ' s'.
3 h 08 min 32 s
